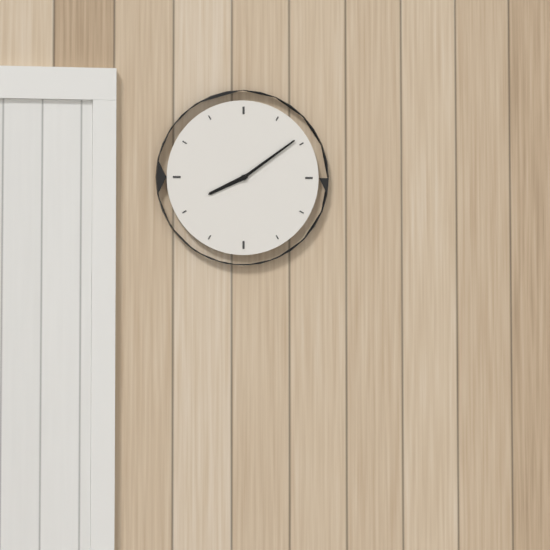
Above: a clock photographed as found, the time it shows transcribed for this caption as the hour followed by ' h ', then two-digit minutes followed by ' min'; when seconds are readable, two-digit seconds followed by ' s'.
8 h 09 min
